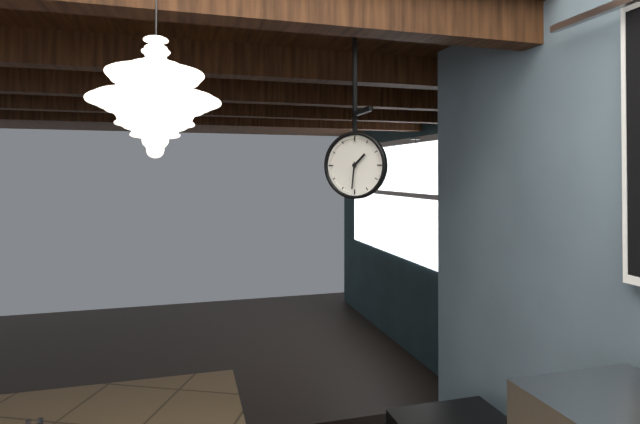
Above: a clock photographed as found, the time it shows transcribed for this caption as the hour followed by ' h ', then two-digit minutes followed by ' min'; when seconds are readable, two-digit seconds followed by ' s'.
1 h 31 min
